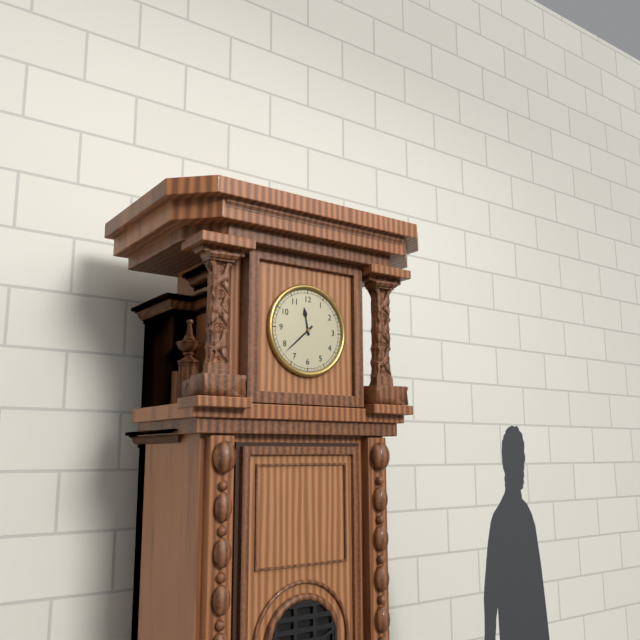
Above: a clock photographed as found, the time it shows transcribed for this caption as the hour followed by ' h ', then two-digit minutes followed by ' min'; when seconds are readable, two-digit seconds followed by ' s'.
11 h 38 min
